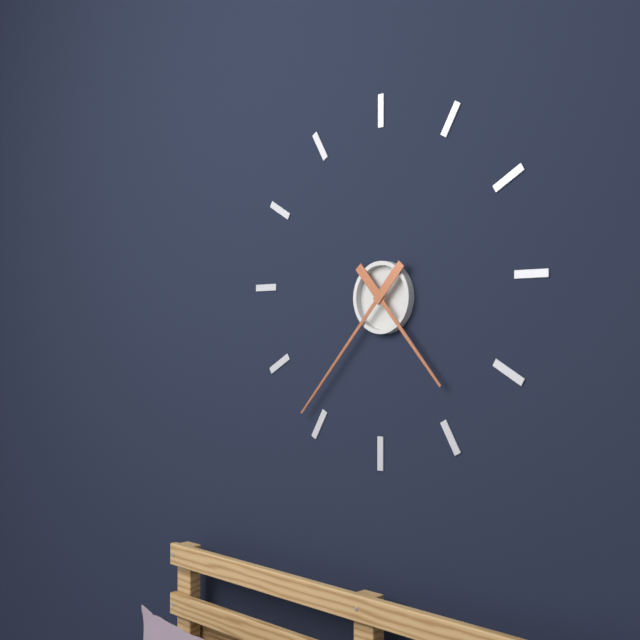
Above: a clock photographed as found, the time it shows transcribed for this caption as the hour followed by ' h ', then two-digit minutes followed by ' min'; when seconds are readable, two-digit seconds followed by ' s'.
4 h 37 min
